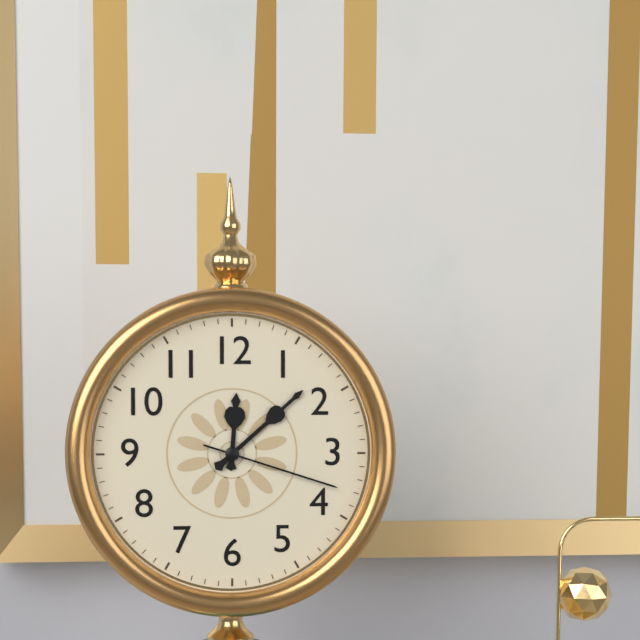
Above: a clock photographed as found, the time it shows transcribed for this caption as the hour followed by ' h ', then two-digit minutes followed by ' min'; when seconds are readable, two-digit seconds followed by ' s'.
12 h 08 min 18 s
